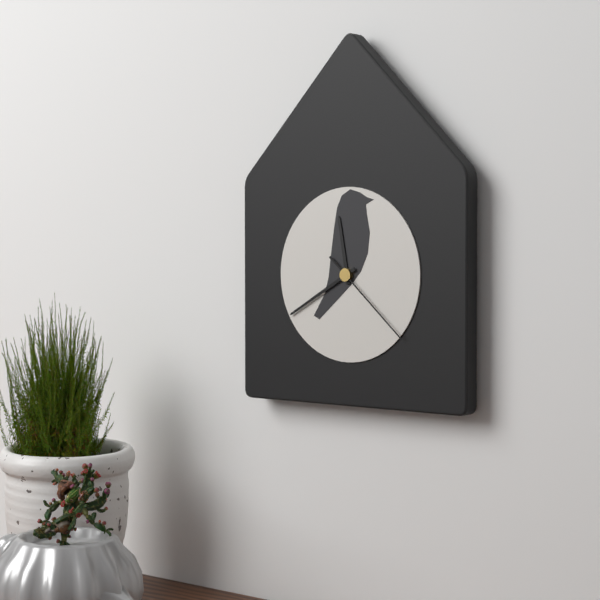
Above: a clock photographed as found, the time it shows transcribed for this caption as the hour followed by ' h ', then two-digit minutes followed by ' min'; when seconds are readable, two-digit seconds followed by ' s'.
11 h 40 min 22 s
